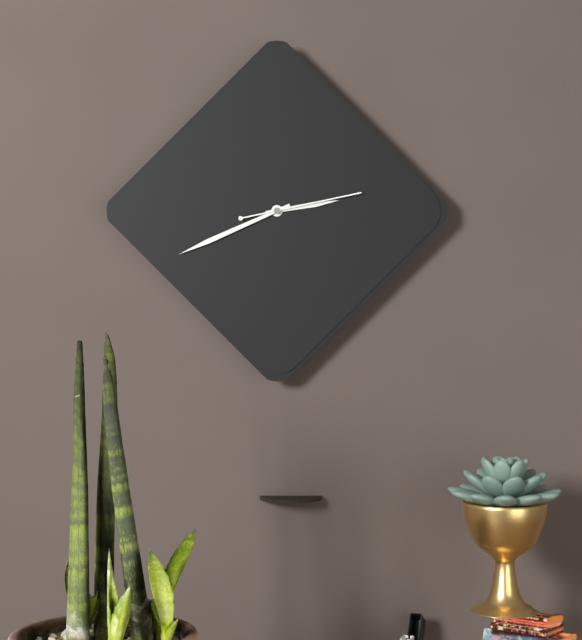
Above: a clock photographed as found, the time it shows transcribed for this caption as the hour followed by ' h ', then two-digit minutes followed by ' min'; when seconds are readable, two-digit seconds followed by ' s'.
2 h 41 min 13 s
